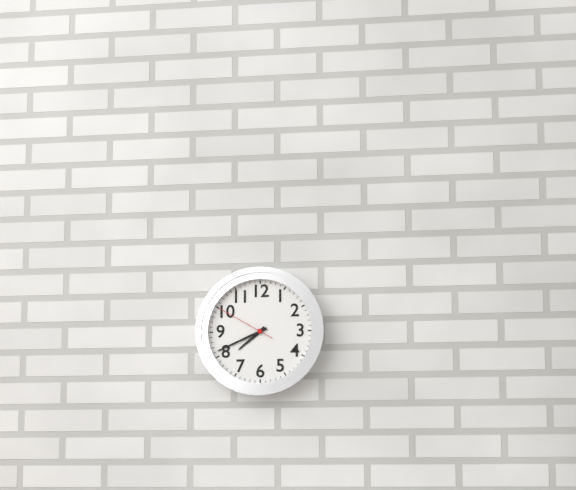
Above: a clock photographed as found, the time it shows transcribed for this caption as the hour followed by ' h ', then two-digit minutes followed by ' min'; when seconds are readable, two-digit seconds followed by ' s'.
7 h 41 min 50 s
